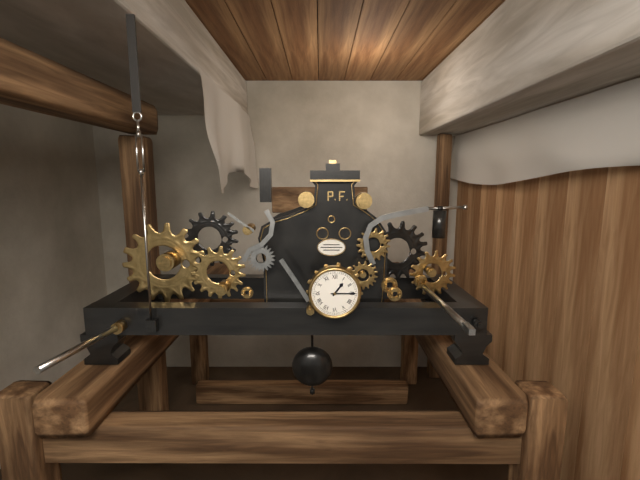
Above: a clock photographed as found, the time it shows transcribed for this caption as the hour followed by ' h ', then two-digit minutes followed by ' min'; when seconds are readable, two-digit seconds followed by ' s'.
1 h 15 min
